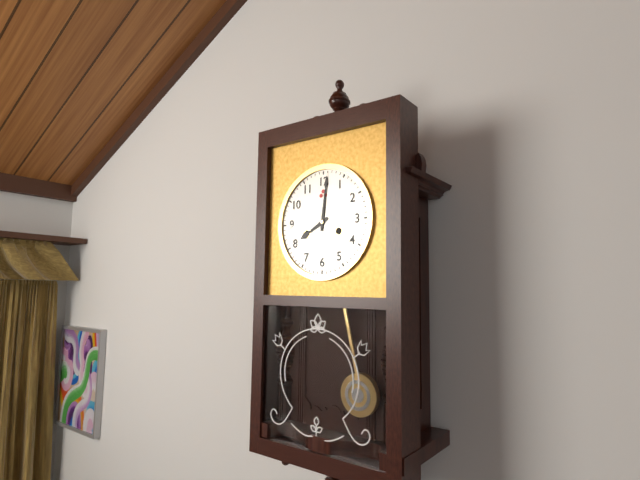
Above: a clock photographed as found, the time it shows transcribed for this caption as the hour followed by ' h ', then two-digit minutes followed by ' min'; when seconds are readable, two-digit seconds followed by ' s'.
8 h 01 min
